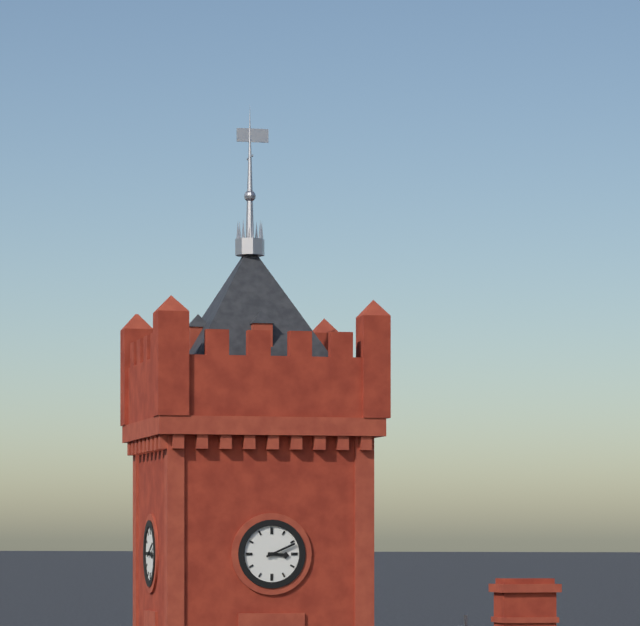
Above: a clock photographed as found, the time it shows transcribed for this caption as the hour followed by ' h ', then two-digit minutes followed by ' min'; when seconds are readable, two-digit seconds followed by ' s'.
3 h 11 min
